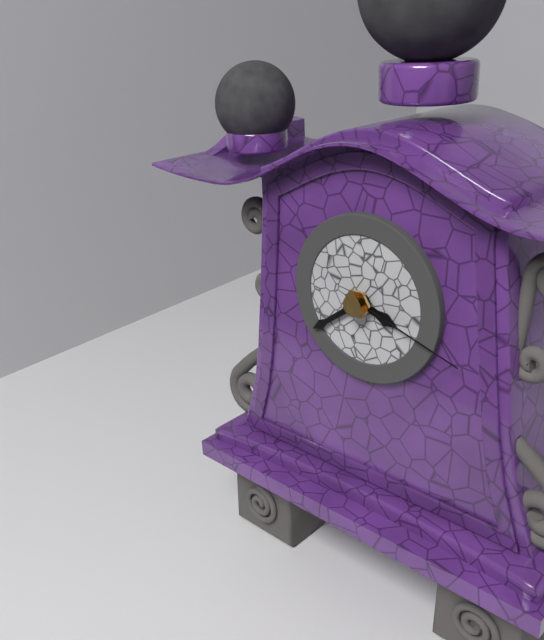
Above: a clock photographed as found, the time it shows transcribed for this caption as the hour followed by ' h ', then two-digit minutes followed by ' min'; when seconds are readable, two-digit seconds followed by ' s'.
3 h 39 min 18 s
